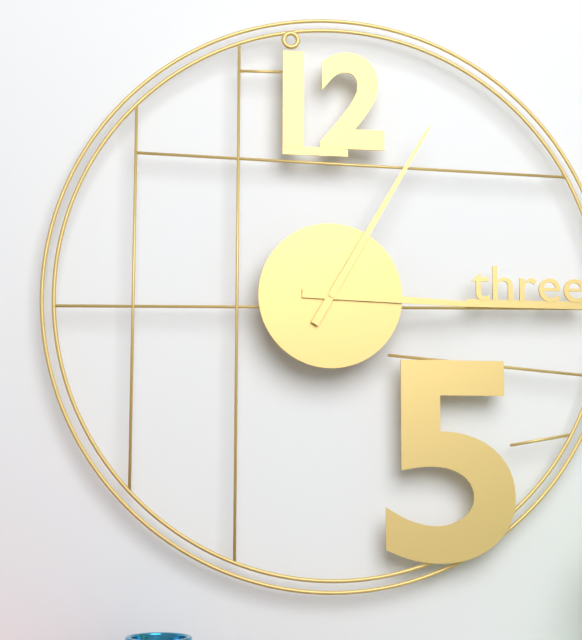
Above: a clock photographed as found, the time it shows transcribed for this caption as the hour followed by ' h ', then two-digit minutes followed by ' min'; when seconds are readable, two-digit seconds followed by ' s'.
3 h 05 min
